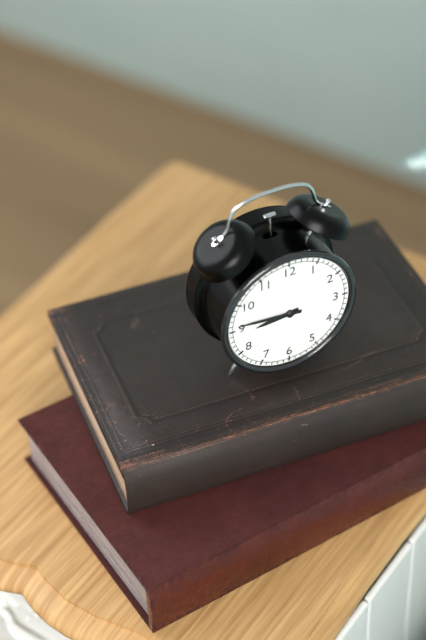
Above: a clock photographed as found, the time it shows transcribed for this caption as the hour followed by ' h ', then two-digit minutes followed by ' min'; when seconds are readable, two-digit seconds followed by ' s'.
8 h 46 min
